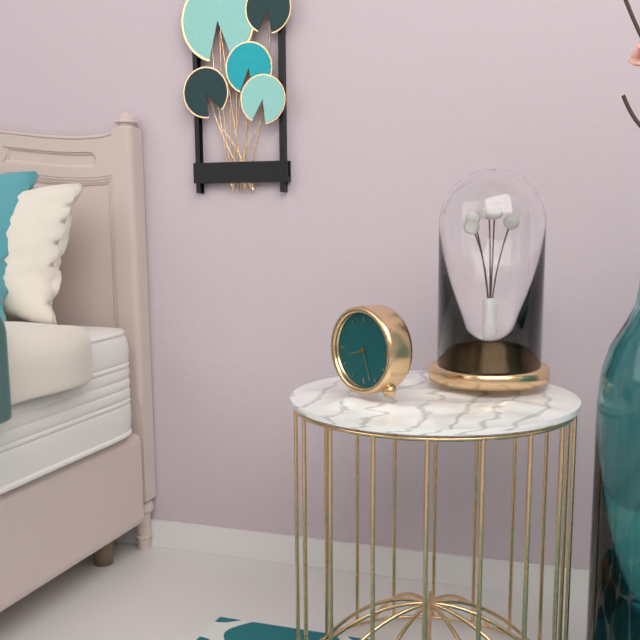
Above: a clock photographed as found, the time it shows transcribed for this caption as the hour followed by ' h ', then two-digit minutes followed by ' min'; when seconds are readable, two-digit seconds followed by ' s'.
8 h 27 min
